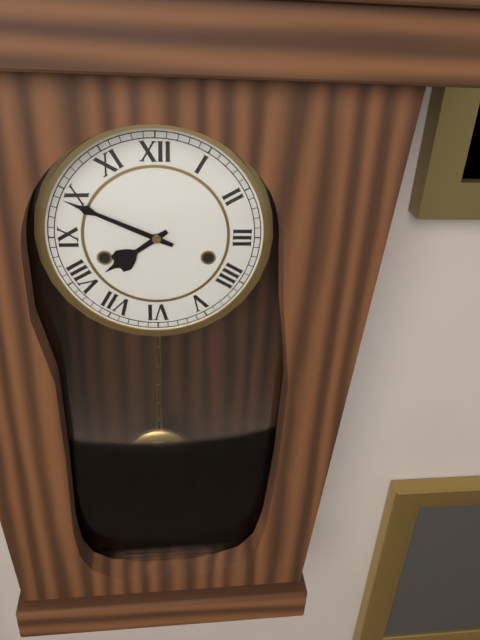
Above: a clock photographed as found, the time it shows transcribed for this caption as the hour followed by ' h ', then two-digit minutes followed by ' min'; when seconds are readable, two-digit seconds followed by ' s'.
7 h 49 min
